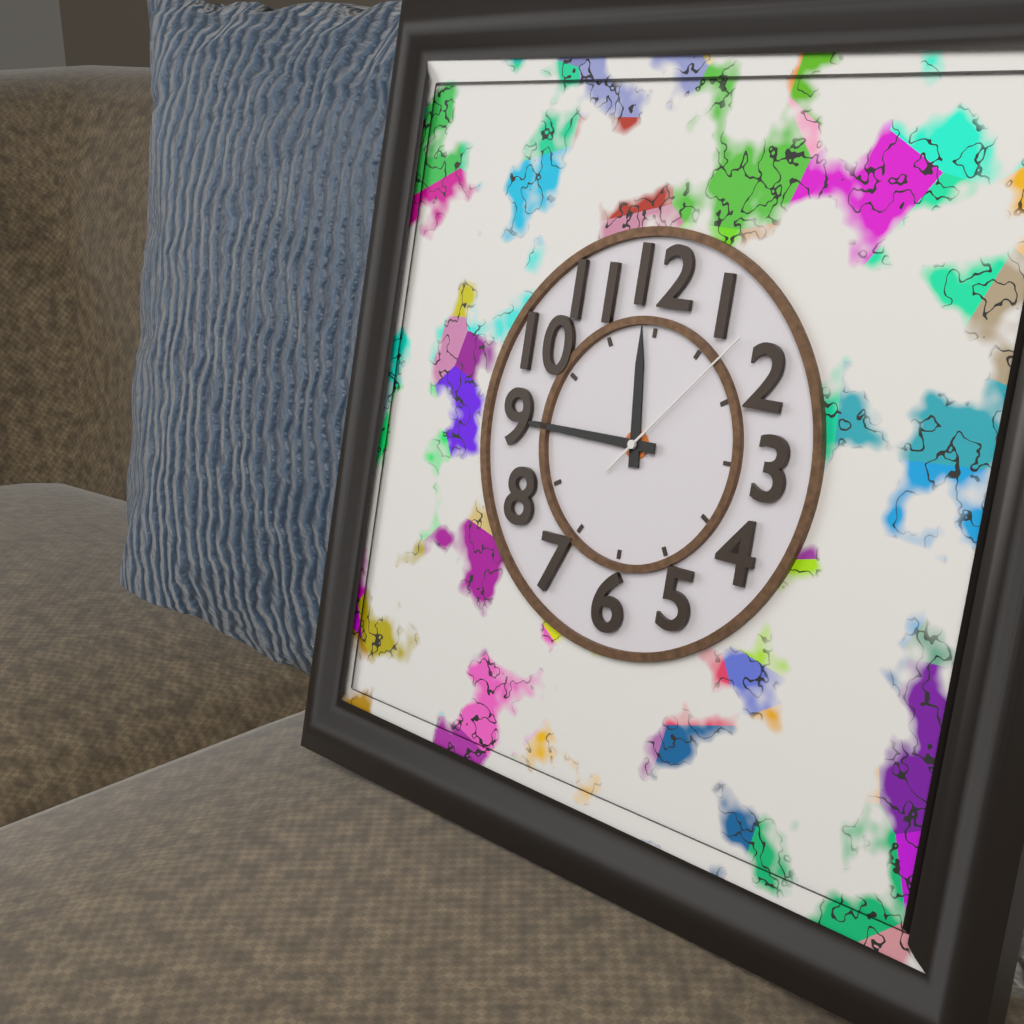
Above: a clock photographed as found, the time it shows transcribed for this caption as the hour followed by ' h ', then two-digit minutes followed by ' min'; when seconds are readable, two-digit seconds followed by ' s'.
11 h 45 min 07 s
